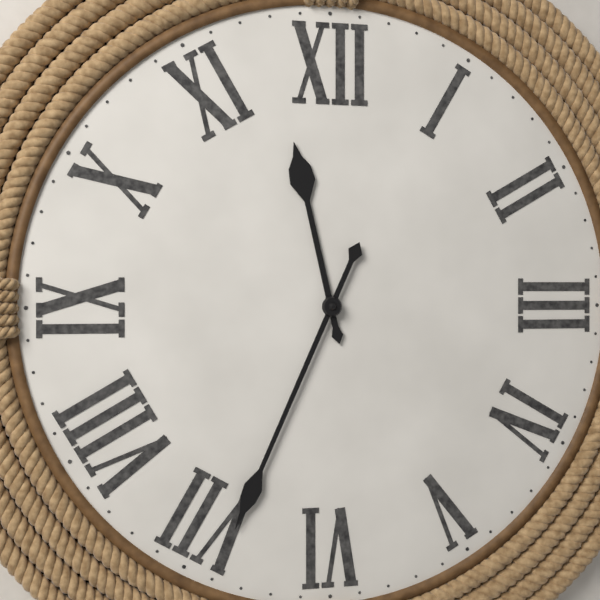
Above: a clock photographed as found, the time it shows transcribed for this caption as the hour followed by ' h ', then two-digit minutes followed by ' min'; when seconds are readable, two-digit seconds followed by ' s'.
11 h 34 min
